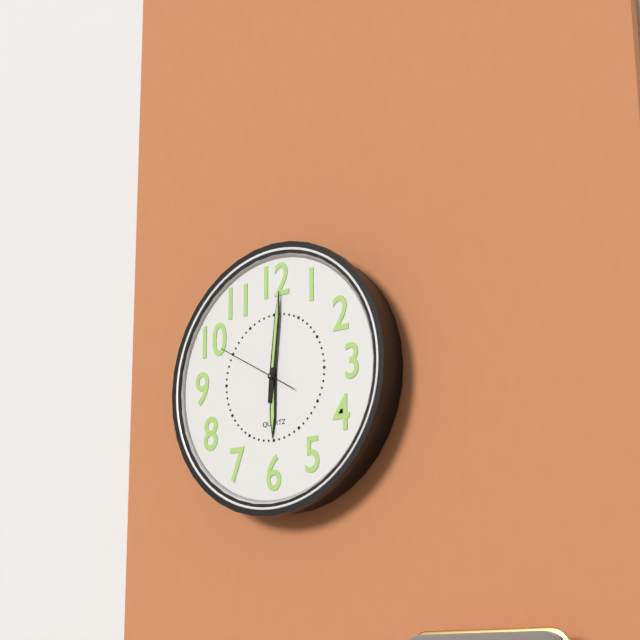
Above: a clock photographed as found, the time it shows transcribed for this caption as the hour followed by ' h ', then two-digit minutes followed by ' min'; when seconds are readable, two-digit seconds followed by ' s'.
6 h 01 min 50 s
